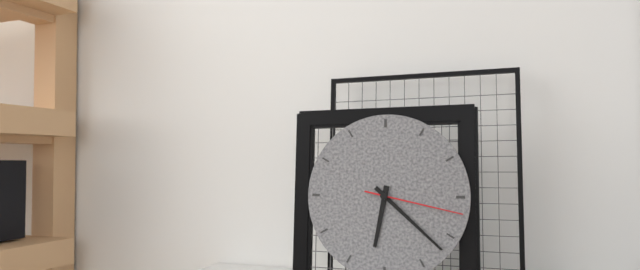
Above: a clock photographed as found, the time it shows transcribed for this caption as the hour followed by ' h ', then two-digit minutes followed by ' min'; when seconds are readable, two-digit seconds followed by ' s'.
6 h 22 min 17 s
